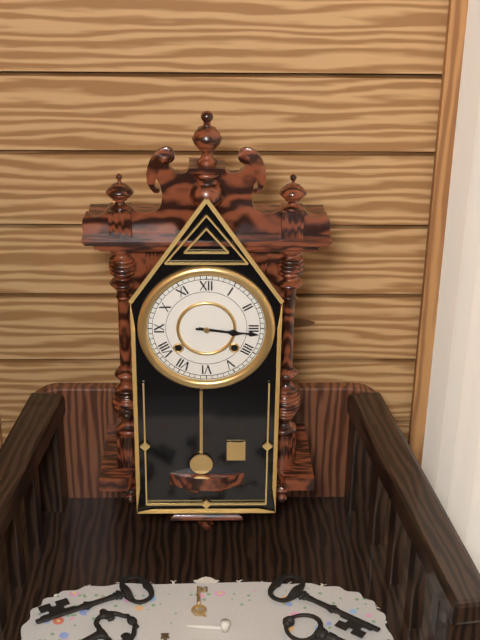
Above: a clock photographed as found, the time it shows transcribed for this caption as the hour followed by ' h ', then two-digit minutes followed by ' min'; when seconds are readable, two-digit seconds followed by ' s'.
3 h 16 min
